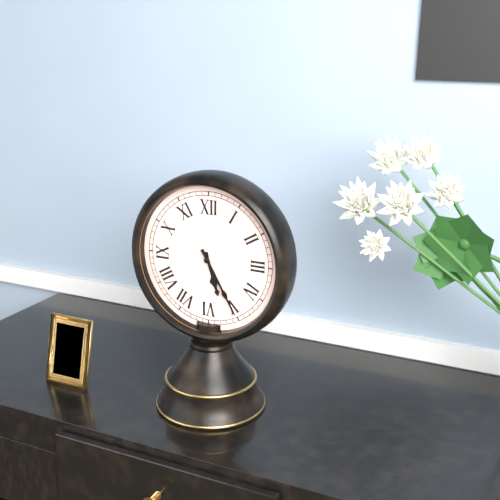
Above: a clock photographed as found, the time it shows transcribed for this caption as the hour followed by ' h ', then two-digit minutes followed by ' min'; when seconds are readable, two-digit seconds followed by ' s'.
5 h 25 min
